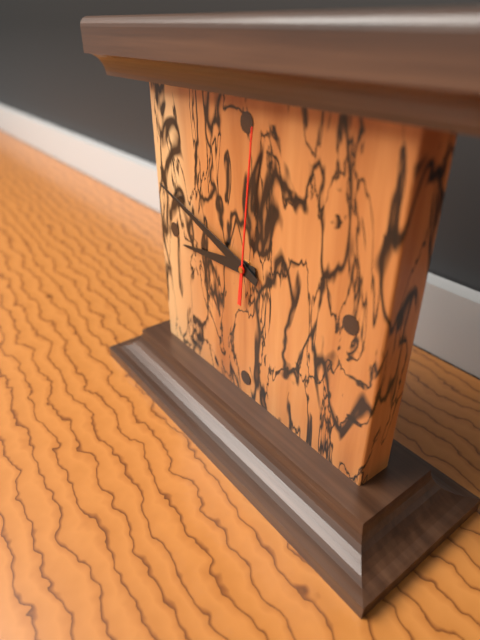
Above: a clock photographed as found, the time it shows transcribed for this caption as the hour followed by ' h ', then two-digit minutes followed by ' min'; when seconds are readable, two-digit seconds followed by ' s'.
8 h 48 min 01 s
